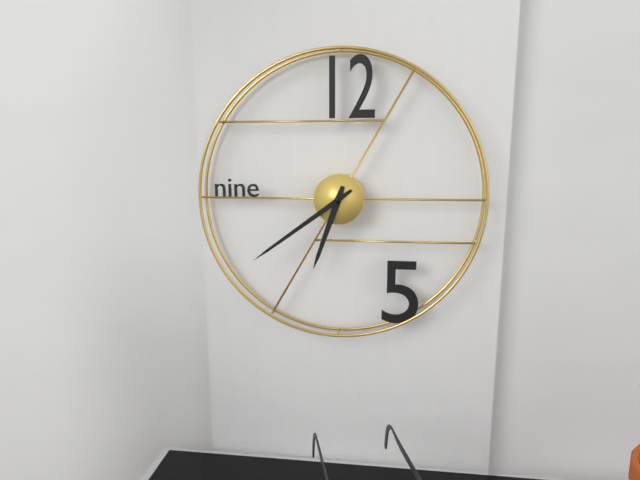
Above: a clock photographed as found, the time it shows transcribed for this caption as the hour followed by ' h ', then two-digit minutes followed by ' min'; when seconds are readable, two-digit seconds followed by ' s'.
6 h 39 min
